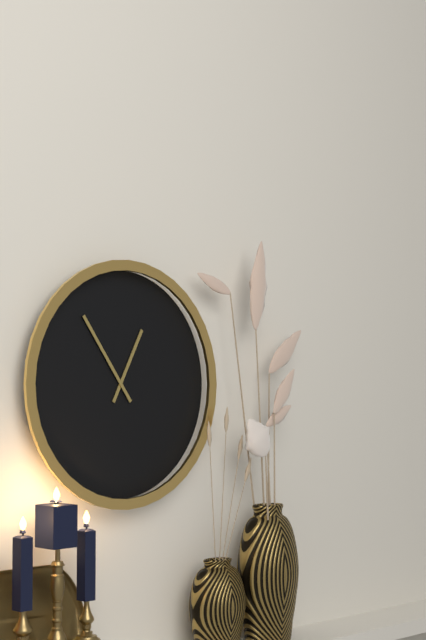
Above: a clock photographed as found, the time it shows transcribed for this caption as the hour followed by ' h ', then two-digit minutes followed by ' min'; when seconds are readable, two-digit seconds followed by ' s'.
12 h 54 min
